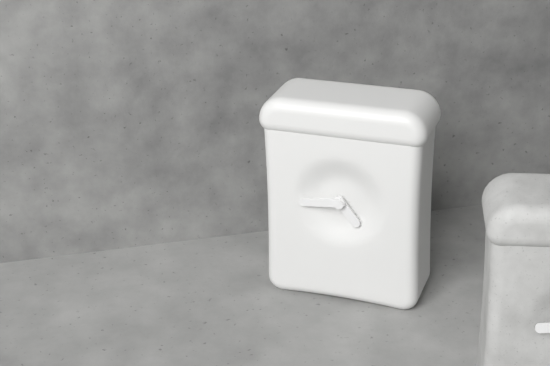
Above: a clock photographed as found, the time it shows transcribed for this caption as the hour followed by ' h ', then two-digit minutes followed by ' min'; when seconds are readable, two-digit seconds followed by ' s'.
4 h 44 min
